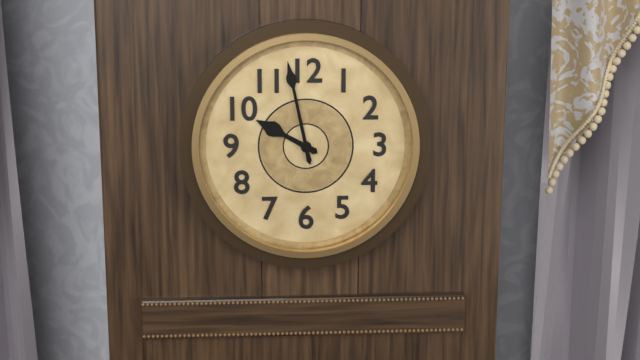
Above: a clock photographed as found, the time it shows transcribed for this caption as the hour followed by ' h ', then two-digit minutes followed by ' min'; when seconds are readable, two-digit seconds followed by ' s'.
9 h 58 min
